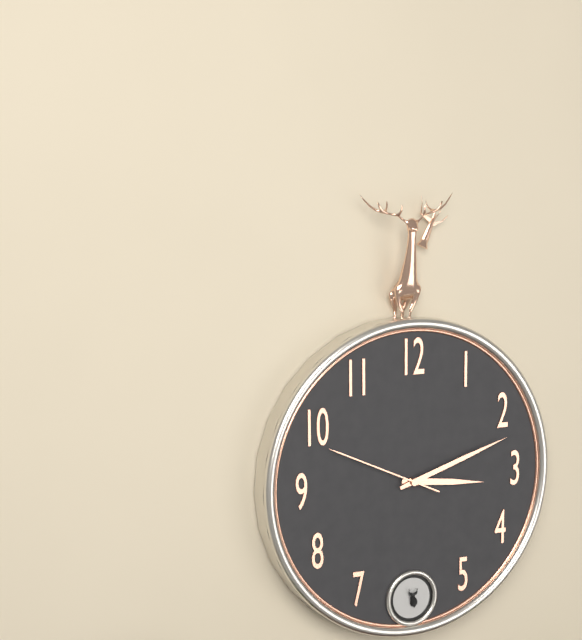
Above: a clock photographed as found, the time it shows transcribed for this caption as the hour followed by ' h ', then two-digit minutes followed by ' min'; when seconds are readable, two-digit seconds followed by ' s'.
3 h 12 min 49 s
